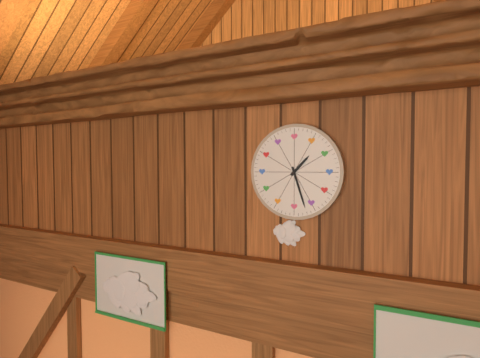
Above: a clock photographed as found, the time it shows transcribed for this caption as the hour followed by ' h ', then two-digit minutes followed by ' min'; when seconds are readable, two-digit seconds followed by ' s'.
1 h 27 min
